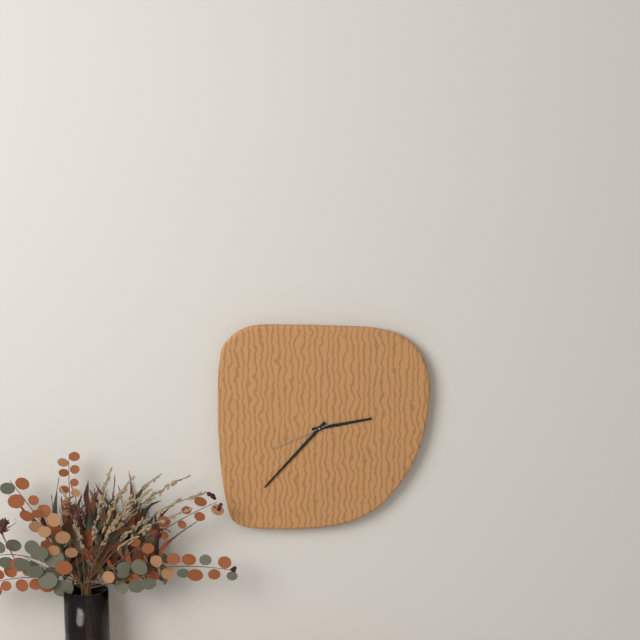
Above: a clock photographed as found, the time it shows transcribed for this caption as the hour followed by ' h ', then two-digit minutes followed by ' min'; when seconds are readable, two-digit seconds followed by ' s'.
2 h 37 min 41 s
